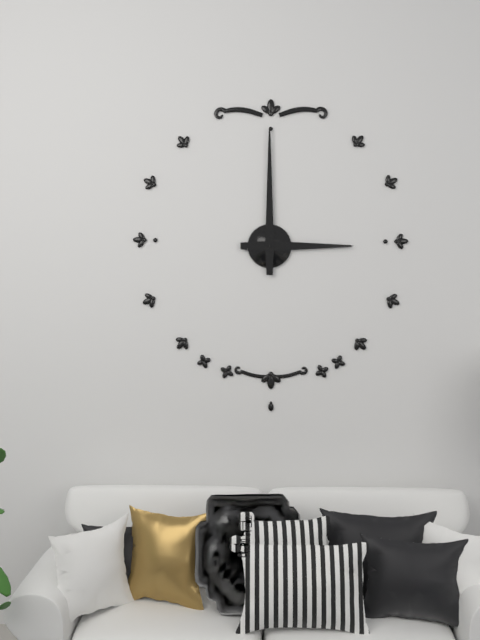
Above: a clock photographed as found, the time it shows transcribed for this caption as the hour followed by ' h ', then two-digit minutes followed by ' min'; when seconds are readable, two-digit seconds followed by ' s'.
3 h 00 min
